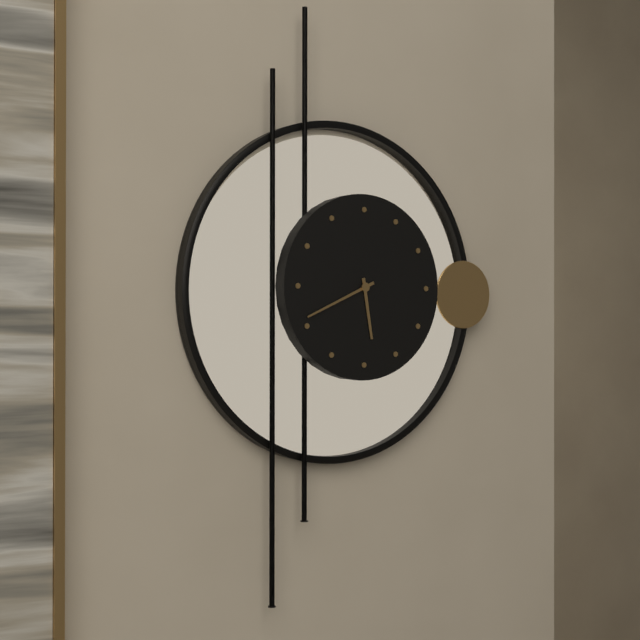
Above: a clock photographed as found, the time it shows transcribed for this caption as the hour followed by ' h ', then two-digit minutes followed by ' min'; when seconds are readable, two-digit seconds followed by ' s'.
5 h 41 min
